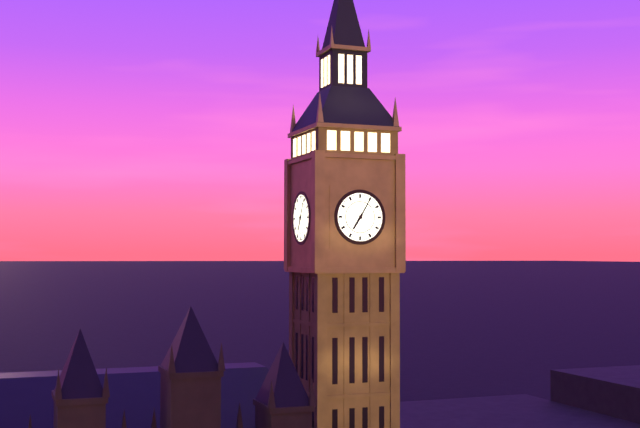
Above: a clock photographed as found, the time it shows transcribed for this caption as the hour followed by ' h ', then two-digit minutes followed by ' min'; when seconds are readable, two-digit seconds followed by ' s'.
7 h 05 min
